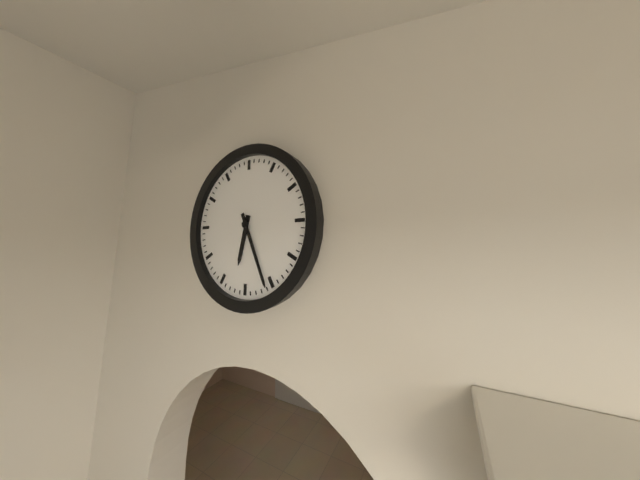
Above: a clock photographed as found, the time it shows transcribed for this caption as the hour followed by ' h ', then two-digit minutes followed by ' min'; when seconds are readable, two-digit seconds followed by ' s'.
6 h 26 min
